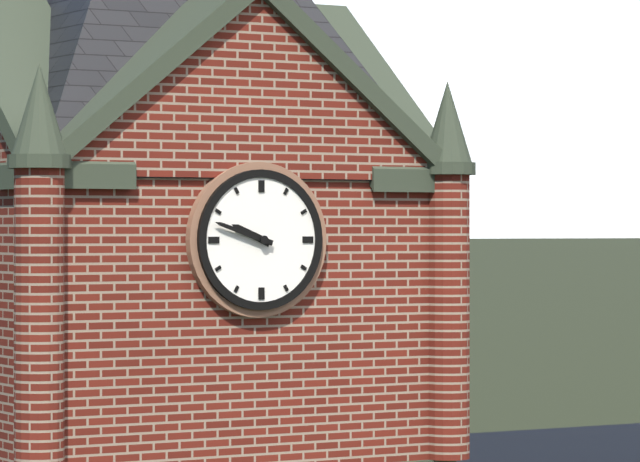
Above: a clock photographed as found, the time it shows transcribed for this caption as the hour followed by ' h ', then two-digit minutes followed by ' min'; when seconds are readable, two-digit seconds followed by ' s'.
9 h 48 min
